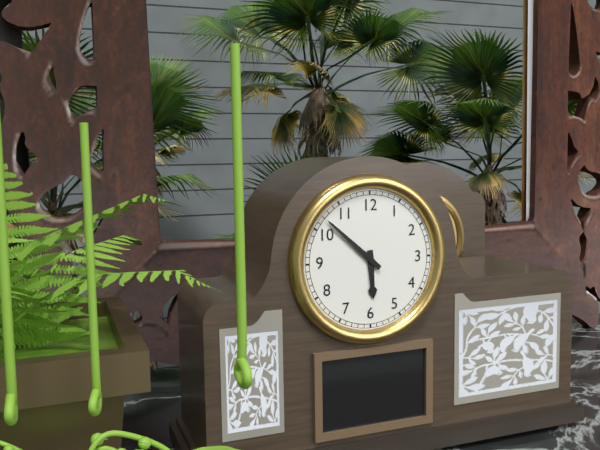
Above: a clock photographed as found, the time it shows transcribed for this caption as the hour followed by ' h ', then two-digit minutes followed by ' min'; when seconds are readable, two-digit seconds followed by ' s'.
5 h 52 min
